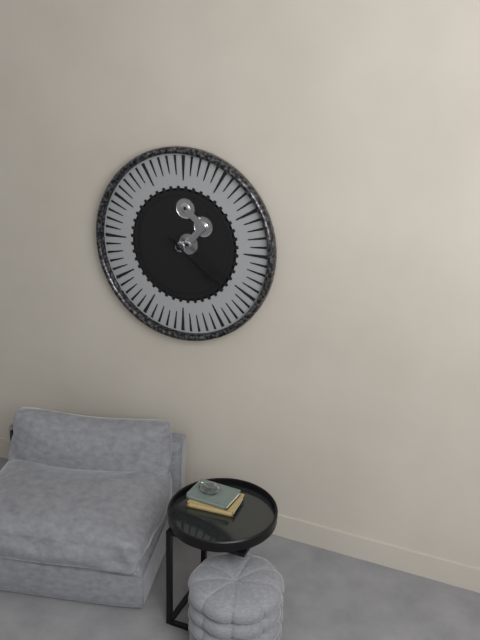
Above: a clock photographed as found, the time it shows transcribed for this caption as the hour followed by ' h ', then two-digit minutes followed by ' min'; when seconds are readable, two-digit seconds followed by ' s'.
4 h 21 min
